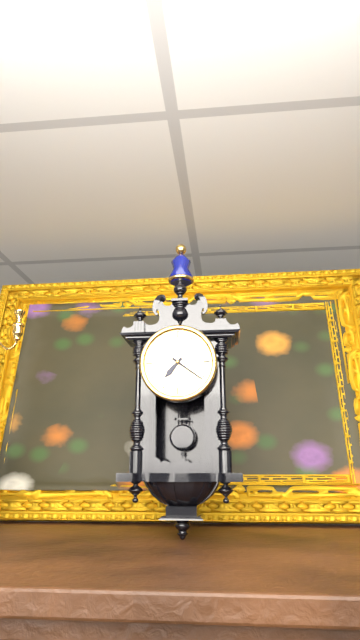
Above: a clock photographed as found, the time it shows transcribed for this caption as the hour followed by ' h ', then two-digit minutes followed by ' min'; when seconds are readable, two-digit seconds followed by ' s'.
7 h 21 min
